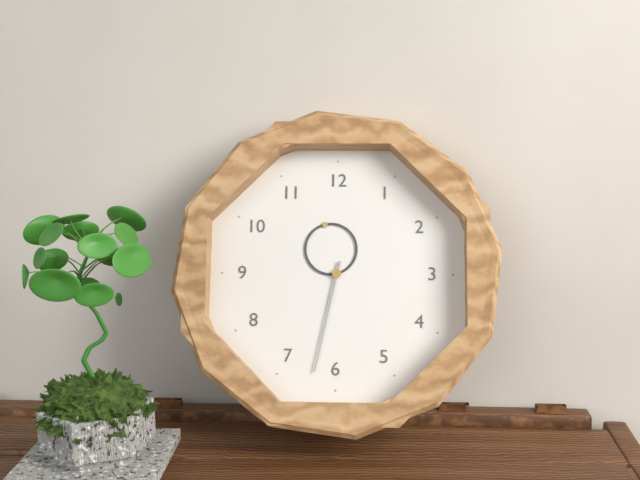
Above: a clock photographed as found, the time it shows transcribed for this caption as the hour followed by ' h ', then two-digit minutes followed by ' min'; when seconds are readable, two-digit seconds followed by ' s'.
11 h 32 min
